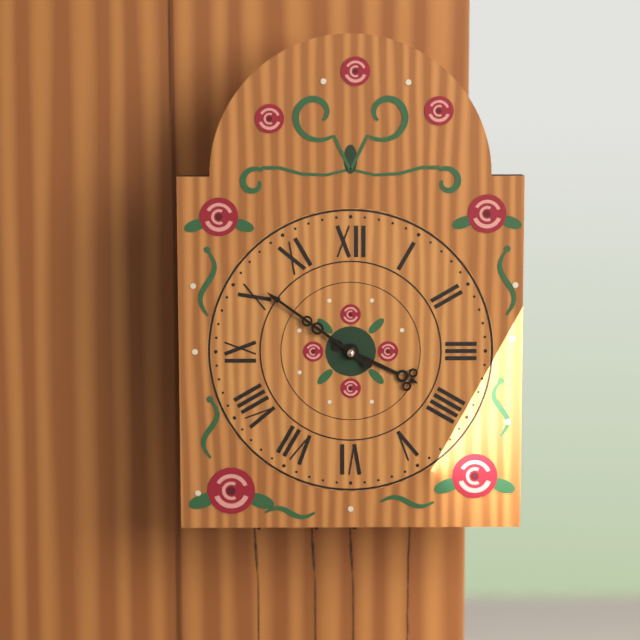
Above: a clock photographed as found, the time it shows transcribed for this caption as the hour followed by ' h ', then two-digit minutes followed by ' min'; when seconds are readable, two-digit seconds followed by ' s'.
3 h 51 min
